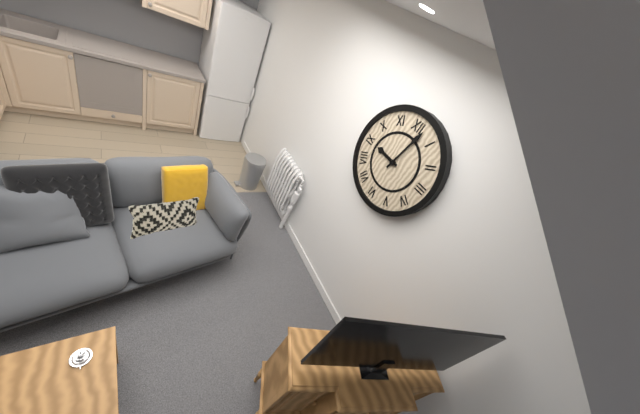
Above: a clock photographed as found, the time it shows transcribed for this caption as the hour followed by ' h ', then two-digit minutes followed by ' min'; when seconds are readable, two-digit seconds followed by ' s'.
9 h 02 min
